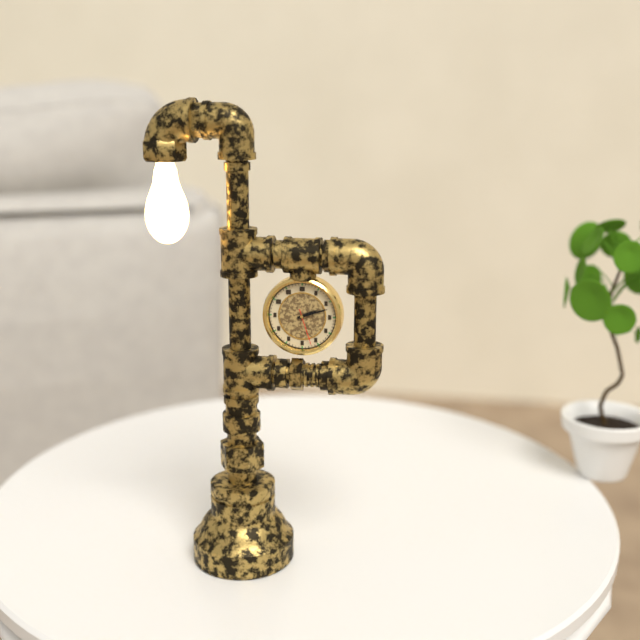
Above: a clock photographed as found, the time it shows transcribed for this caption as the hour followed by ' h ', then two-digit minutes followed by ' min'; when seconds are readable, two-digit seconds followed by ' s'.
2 h 12 min
